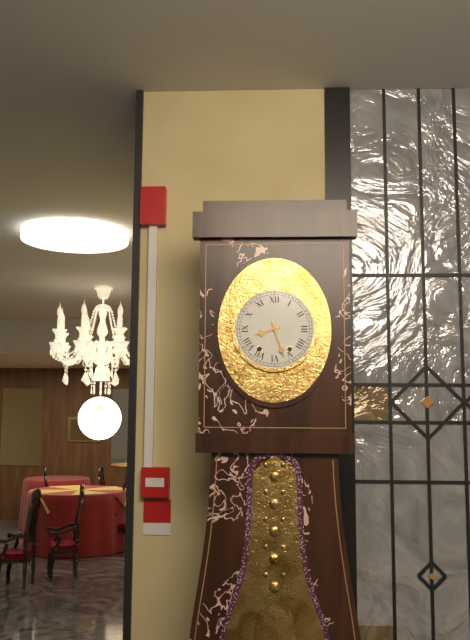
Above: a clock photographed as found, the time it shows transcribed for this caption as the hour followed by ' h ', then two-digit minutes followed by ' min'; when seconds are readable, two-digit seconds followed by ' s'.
8 h 27 min
